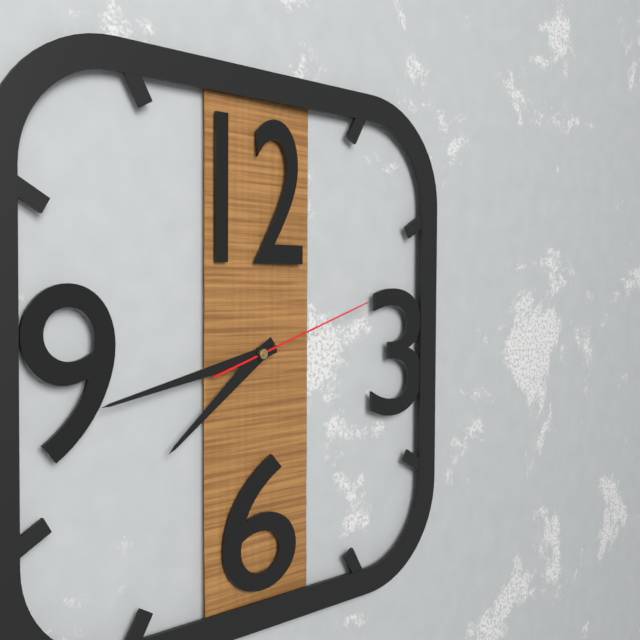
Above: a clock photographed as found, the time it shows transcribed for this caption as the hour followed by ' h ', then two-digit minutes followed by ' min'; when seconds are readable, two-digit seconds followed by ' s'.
7 h 43 min 12 s
